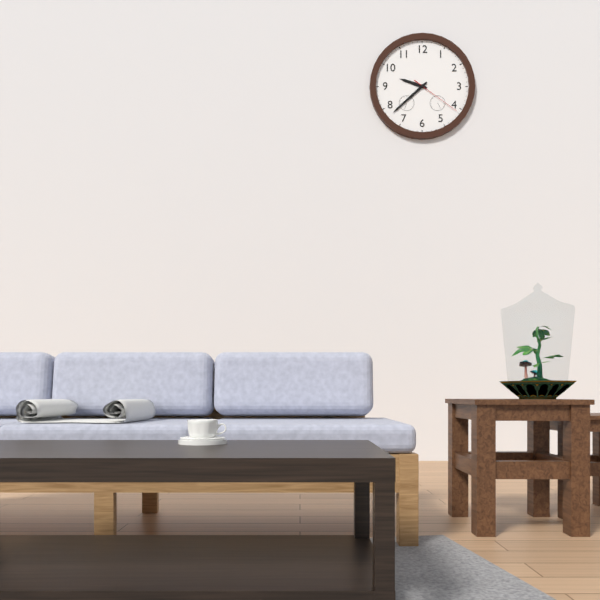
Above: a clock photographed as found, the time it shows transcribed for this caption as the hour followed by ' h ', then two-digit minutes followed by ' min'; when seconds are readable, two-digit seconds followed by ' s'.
9 h 38 min 21 s
